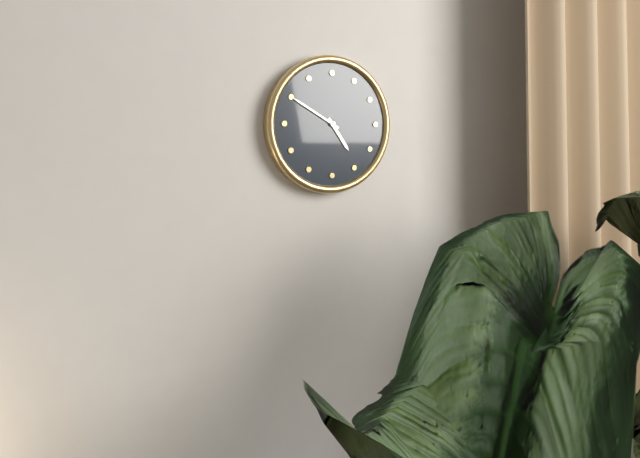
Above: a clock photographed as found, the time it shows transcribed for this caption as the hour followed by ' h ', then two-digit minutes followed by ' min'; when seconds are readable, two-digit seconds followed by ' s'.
4 h 50 min
